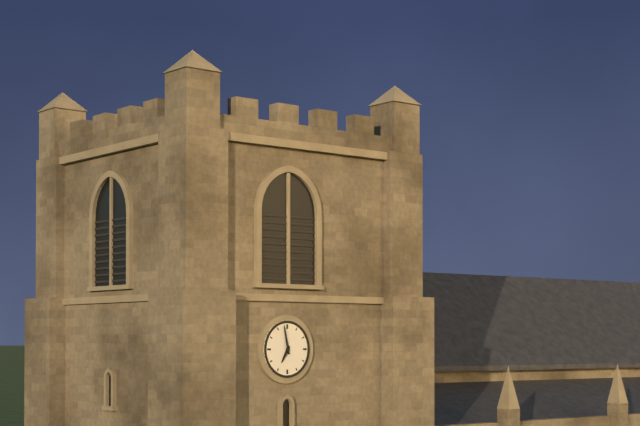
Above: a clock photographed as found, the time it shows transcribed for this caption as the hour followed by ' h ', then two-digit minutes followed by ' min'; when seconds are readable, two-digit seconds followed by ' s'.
6 h 58 min
